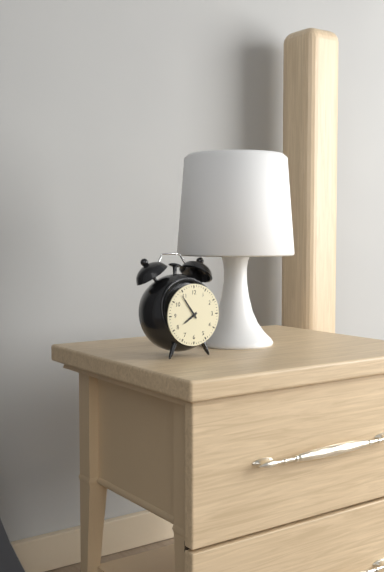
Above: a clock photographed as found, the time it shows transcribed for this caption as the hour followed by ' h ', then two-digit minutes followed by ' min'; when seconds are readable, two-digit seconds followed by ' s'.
7 h 54 min
